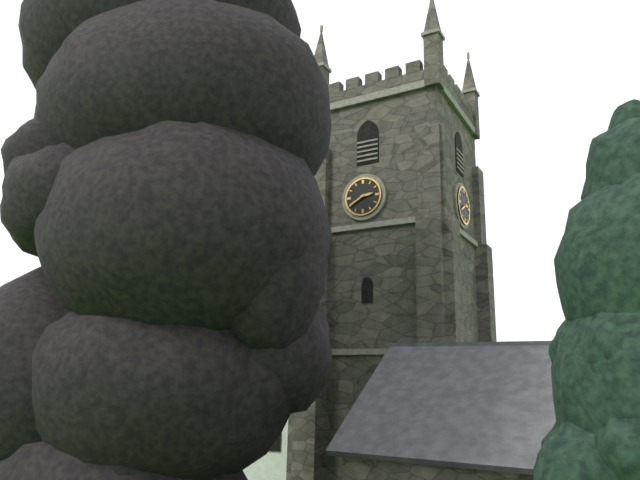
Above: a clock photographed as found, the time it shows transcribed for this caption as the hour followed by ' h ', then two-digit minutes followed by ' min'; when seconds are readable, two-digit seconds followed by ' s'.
2 h 40 min
